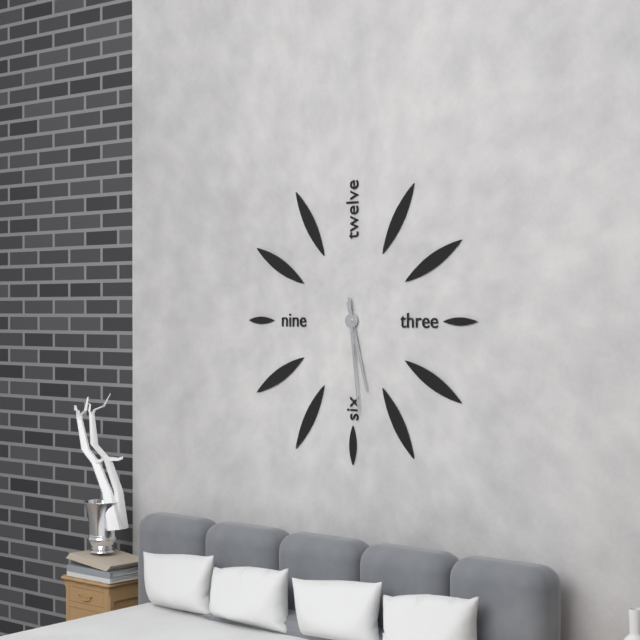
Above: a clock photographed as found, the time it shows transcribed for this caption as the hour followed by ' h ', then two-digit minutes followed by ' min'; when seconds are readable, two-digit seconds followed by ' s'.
5 h 29 min
